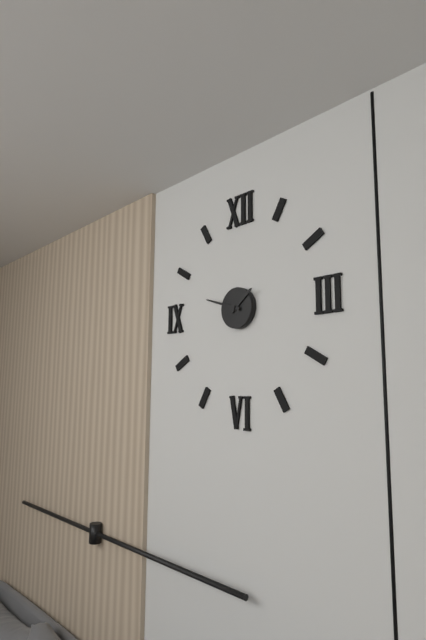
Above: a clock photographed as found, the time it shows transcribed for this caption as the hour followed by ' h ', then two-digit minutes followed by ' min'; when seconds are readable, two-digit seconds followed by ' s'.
1 h 48 min
